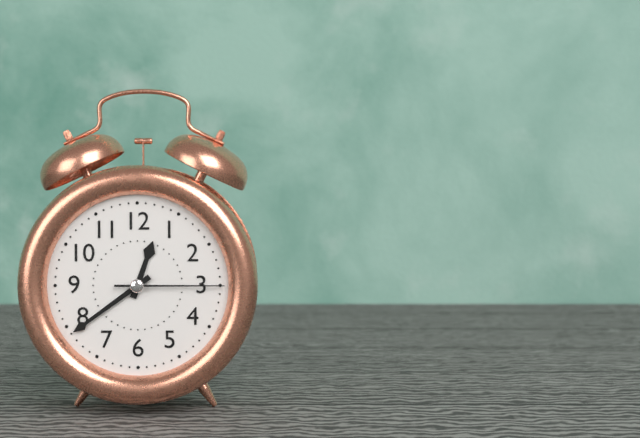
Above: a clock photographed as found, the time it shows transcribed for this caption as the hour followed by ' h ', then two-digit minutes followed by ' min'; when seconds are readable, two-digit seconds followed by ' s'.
12 h 39 min 15 s
